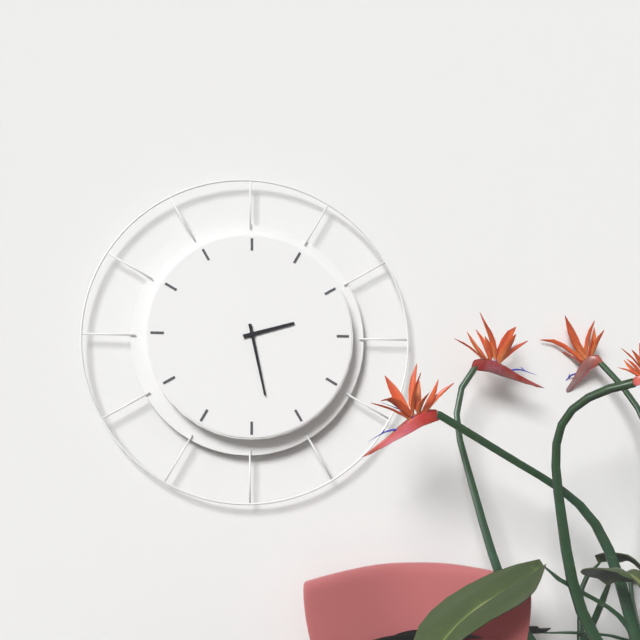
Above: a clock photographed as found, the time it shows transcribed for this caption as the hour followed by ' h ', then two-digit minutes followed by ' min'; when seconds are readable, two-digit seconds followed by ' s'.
2 h 28 min
